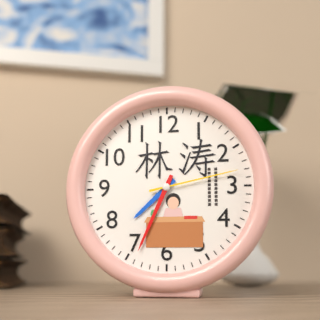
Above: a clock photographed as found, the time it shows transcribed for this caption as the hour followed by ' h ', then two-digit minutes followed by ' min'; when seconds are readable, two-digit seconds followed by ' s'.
7 h 34 min 13 s
